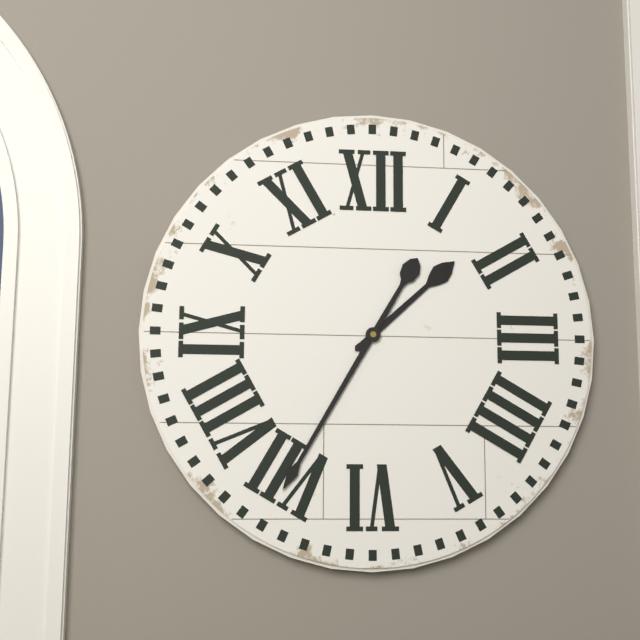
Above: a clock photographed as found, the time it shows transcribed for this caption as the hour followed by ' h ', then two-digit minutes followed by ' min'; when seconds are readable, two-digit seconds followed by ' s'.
1 h 35 min
